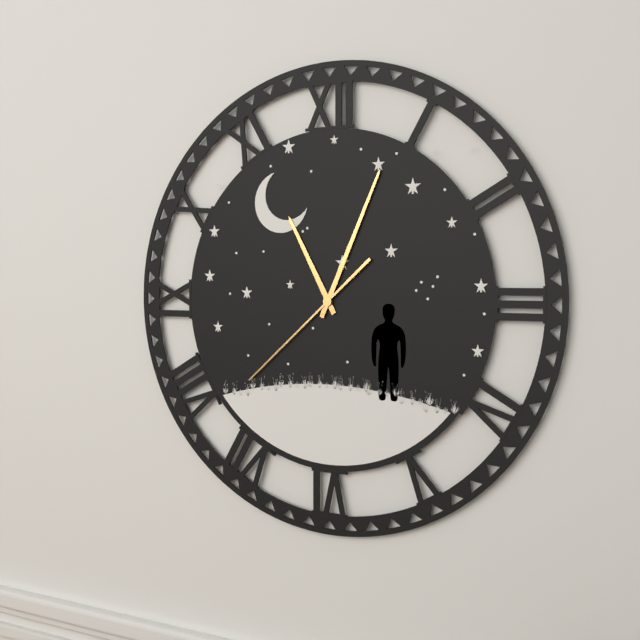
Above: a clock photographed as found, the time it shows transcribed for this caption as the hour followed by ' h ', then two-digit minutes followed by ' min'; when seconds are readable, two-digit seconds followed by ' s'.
11 h 04 min 38 s
